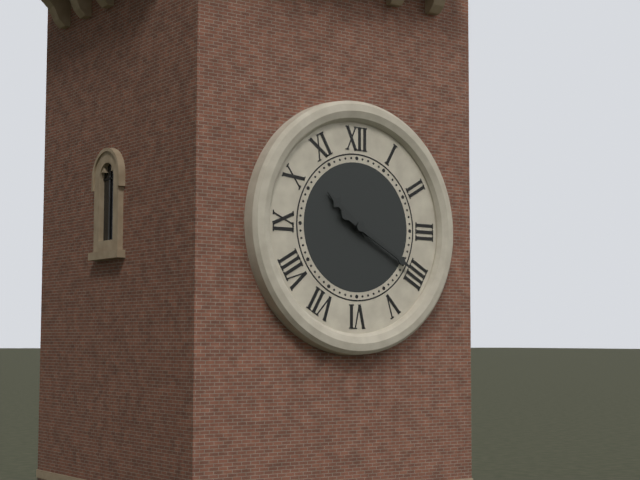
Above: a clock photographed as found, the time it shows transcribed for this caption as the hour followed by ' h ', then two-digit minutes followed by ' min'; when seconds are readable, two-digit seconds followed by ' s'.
10 h 20 min
